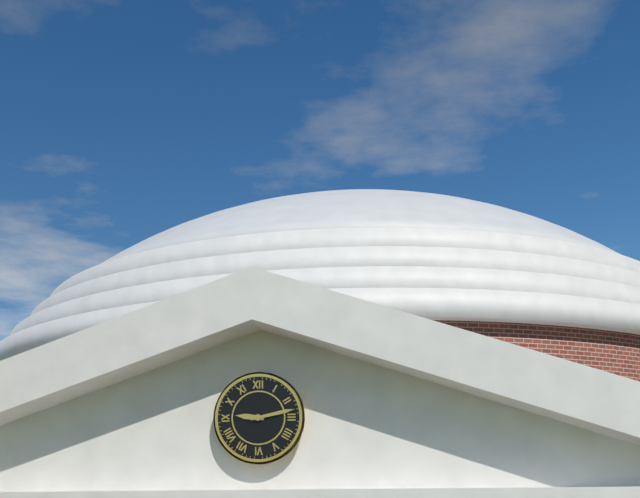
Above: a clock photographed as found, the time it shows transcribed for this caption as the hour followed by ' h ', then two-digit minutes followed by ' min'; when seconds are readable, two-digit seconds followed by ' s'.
9 h 13 min
